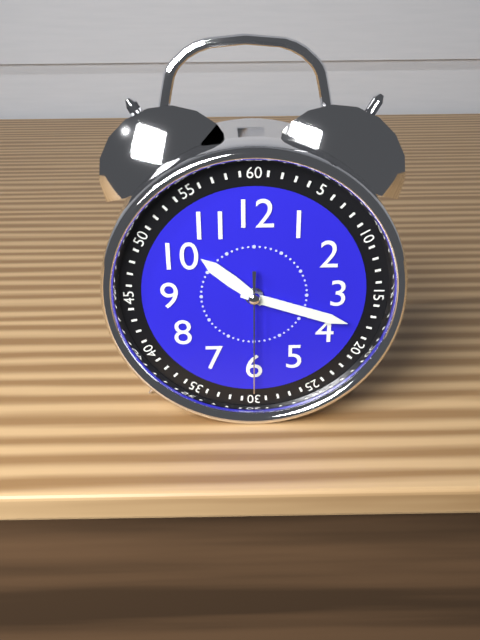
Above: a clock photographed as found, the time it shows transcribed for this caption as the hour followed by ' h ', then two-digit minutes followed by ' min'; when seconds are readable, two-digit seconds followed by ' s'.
10 h 18 min 30 s
